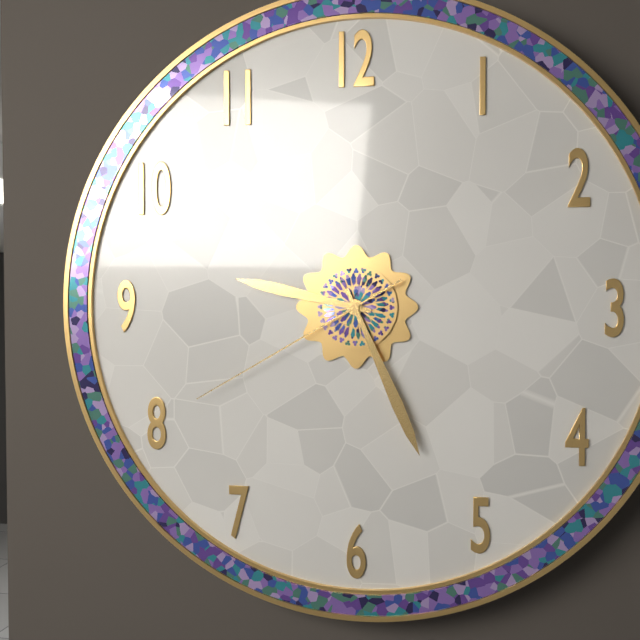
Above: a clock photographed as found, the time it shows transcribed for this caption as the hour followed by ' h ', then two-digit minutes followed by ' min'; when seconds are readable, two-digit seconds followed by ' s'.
9 h 26 min 40 s
